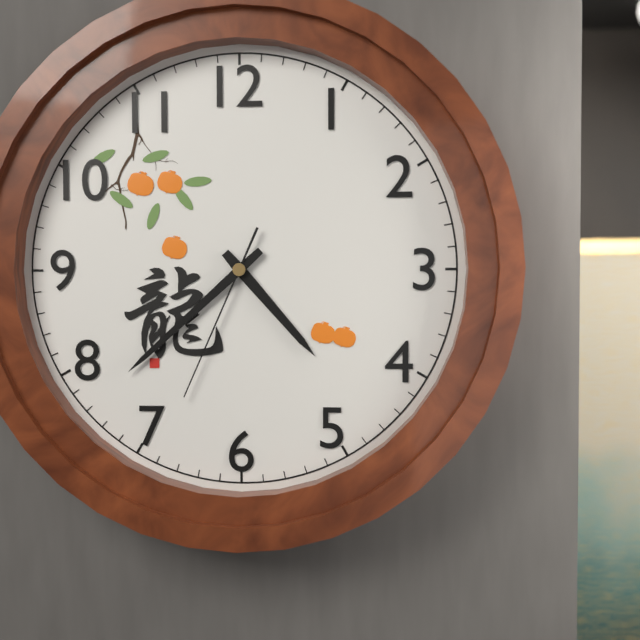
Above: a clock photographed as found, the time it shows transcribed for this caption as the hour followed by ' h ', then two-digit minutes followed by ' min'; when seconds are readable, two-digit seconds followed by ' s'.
4 h 38 min 34 s
